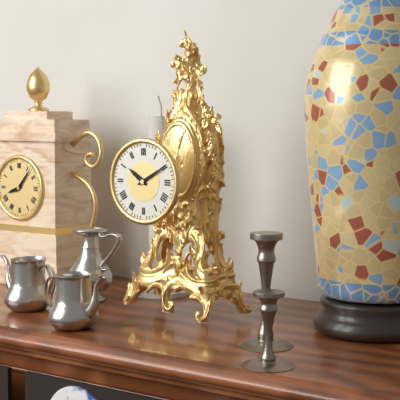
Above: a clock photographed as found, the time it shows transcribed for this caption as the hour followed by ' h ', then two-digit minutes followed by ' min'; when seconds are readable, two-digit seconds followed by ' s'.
10 h 10 min
